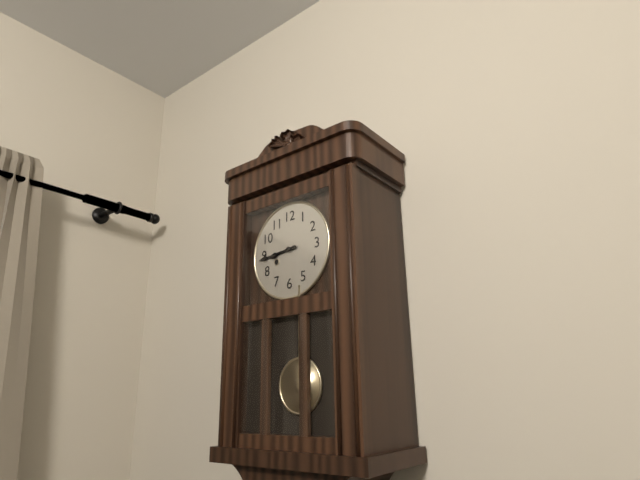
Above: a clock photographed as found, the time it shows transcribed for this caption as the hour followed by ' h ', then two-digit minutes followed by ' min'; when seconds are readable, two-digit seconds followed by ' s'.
8 h 44 min
